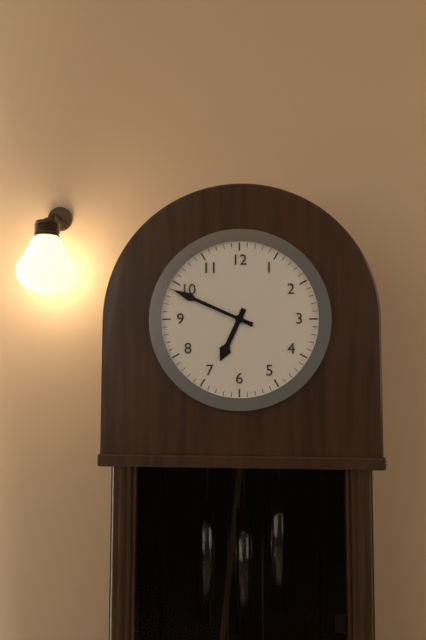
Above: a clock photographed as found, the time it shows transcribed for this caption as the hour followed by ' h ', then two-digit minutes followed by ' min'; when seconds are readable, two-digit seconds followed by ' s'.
6 h 49 min
